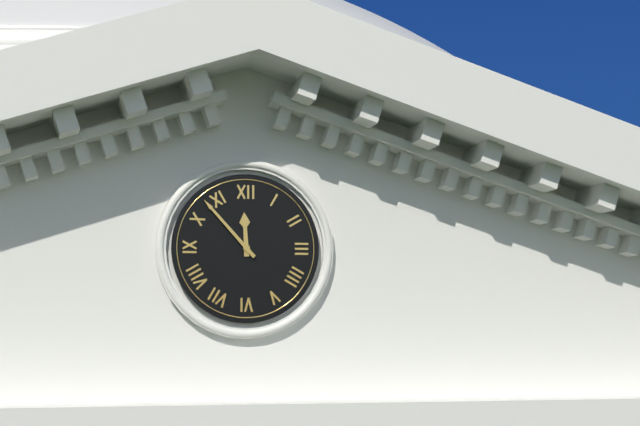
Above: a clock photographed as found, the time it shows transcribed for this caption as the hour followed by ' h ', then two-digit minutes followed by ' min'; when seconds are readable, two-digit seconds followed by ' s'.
11 h 53 min
